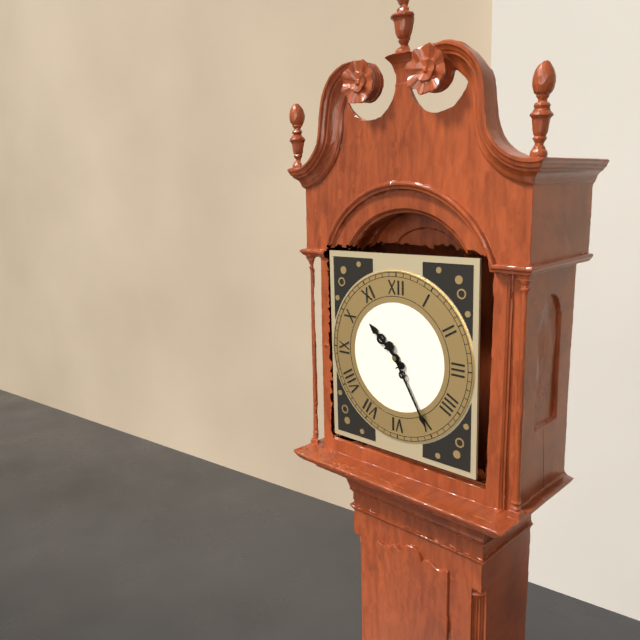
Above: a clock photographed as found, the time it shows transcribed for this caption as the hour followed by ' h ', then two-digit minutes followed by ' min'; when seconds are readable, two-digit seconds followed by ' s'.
10 h 25 min
